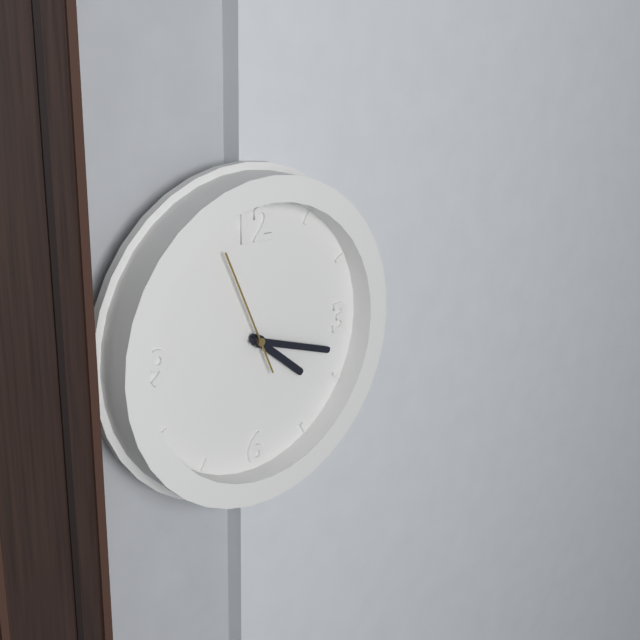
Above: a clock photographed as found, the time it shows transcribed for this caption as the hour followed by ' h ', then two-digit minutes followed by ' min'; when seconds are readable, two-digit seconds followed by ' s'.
4 h 18 min 56 s
